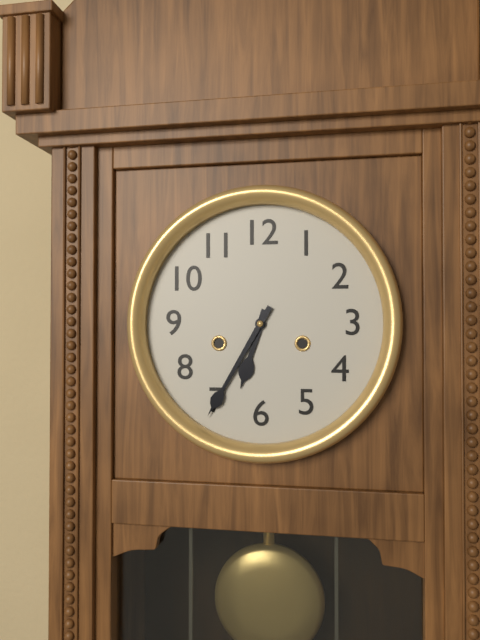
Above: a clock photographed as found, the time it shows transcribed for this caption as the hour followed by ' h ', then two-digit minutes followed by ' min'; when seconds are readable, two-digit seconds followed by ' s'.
6 h 35 min
